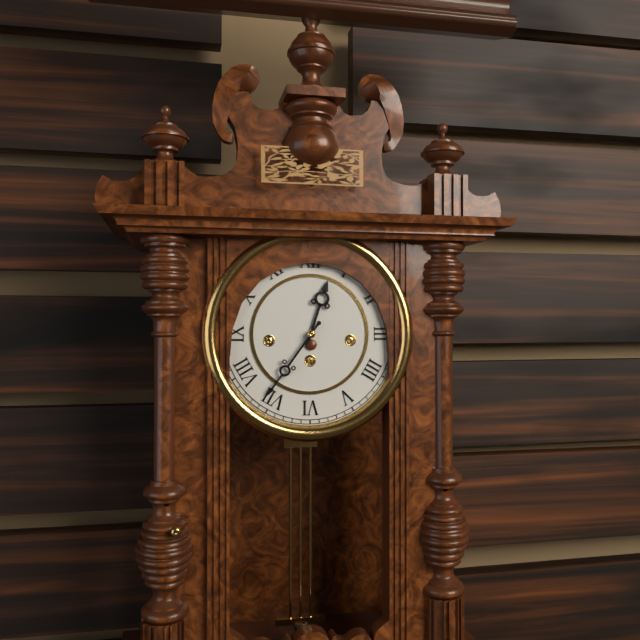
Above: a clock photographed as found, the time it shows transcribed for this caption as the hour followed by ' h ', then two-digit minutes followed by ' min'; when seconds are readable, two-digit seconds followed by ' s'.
12 h 36 min
